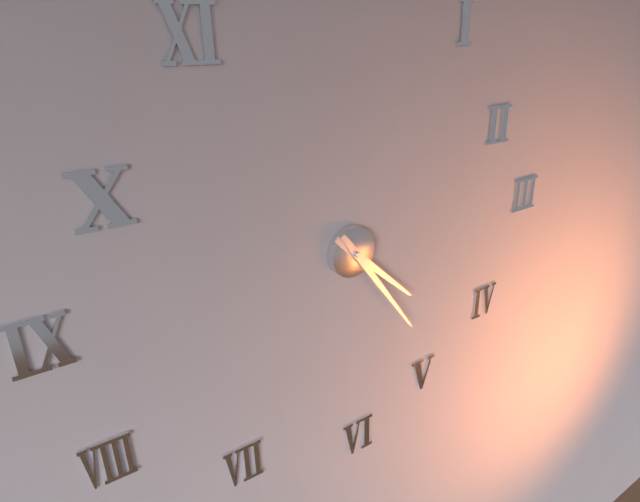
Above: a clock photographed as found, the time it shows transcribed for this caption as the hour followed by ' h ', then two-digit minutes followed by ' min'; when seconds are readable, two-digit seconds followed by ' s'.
4 h 24 min
